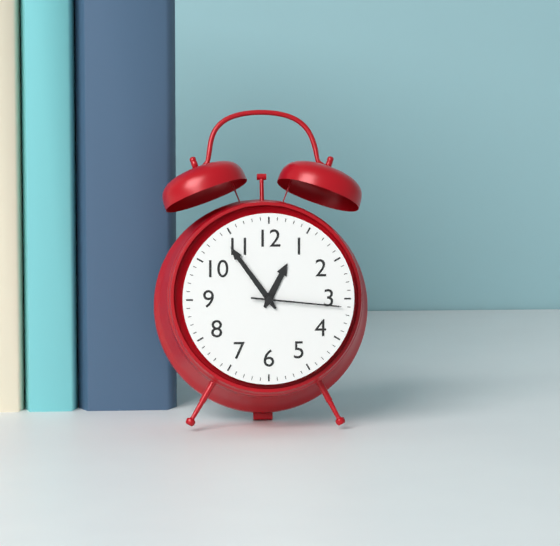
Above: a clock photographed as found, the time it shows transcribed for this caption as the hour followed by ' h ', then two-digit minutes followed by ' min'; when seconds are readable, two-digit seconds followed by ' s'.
12 h 54 min 16 s
